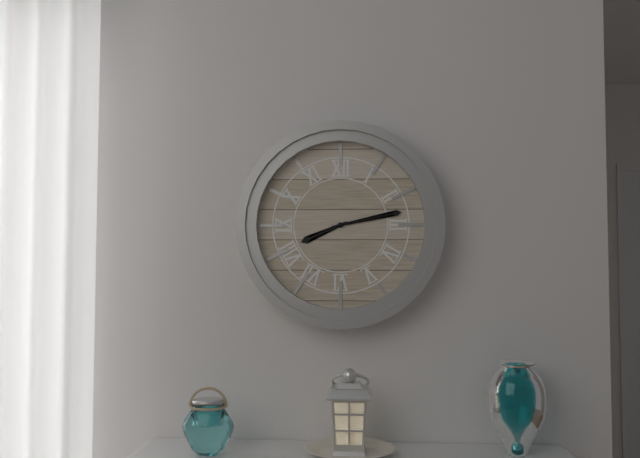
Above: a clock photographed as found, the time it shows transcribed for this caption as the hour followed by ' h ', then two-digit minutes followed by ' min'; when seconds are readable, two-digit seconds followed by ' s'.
8 h 13 min
